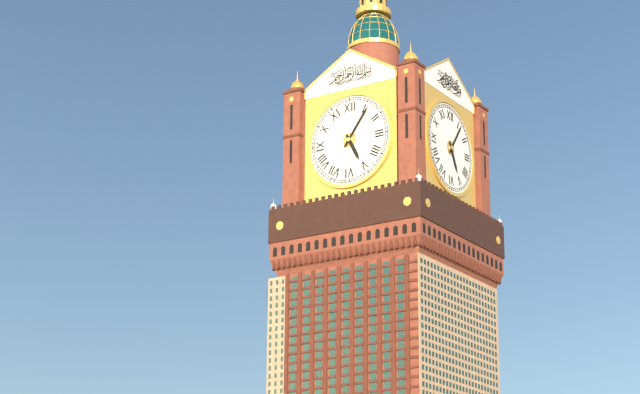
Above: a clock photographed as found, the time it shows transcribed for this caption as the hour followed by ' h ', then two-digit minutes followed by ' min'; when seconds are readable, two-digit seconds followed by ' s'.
5 h 06 min
